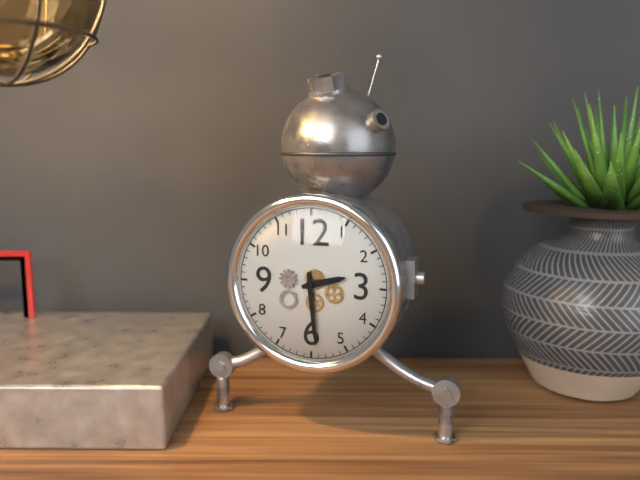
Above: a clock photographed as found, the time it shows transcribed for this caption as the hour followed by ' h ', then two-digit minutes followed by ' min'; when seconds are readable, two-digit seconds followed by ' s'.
2 h 29 min
